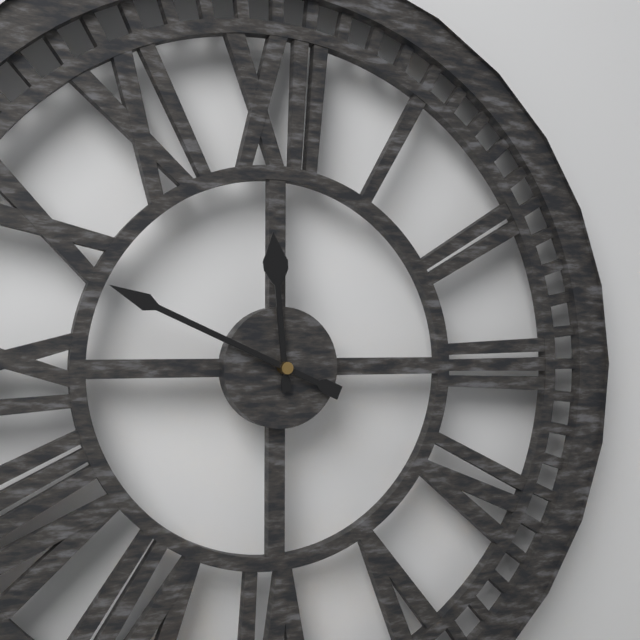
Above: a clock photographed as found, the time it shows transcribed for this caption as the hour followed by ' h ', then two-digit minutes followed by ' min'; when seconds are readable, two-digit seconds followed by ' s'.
11 h 49 min
